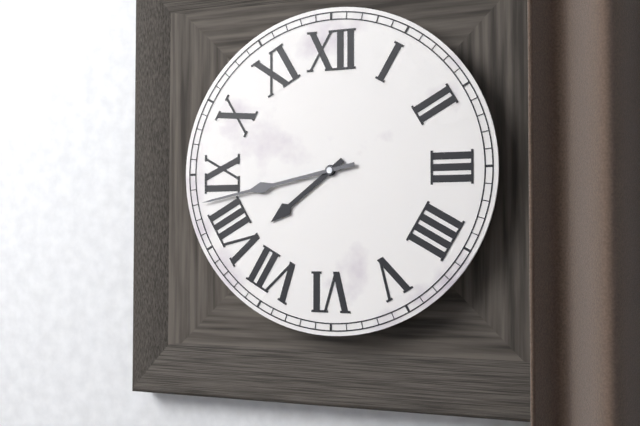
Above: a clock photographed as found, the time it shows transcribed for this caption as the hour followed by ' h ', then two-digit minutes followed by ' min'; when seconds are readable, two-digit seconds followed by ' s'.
7 h 43 min
